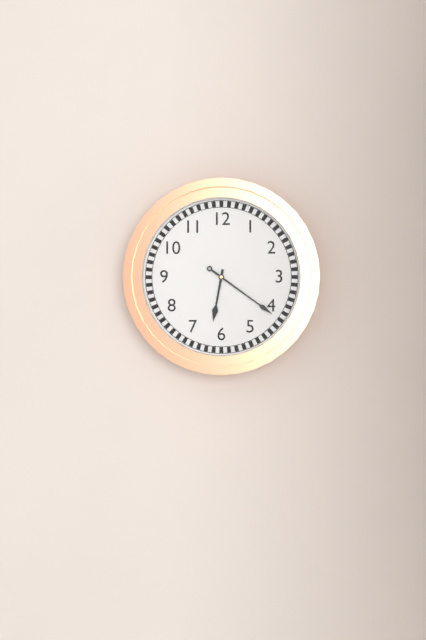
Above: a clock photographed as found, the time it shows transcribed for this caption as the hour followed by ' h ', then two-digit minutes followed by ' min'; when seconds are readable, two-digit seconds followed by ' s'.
6 h 21 min
